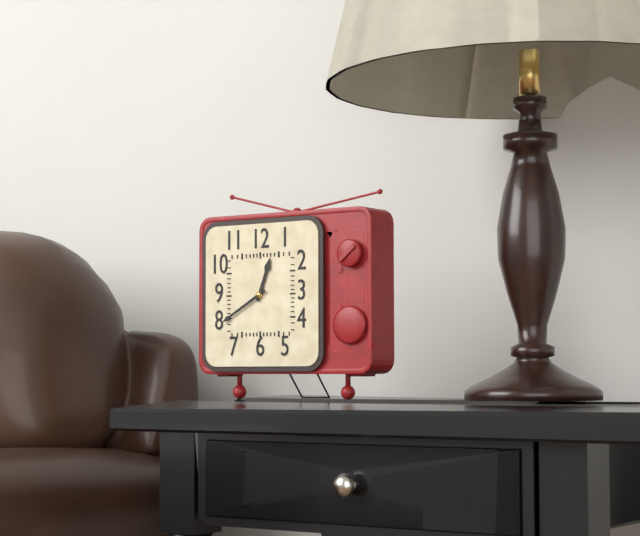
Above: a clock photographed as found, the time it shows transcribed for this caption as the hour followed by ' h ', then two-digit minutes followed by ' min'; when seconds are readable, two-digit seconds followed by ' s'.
12 h 40 min
